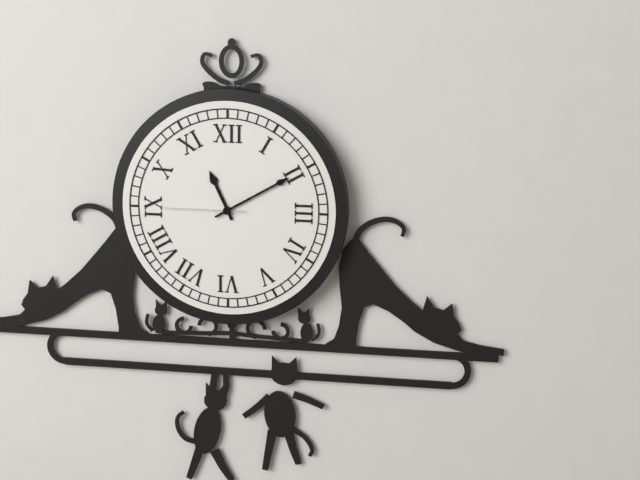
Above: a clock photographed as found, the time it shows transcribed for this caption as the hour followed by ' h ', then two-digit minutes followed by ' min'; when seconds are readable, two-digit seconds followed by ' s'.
11 h 10 min 45 s
